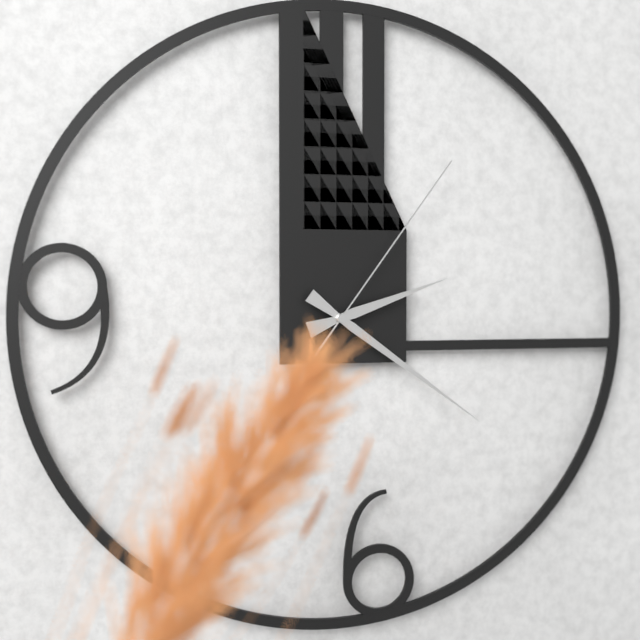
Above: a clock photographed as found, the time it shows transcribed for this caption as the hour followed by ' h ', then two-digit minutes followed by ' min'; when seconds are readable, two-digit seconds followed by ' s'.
2 h 21 min 06 s
